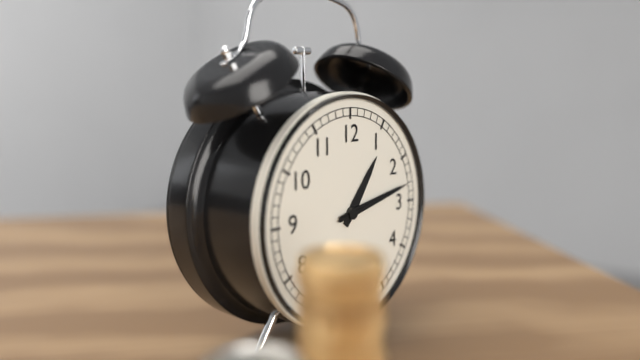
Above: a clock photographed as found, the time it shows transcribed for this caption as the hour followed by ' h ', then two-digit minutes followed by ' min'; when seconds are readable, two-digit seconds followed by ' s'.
1 h 13 min 13 s
